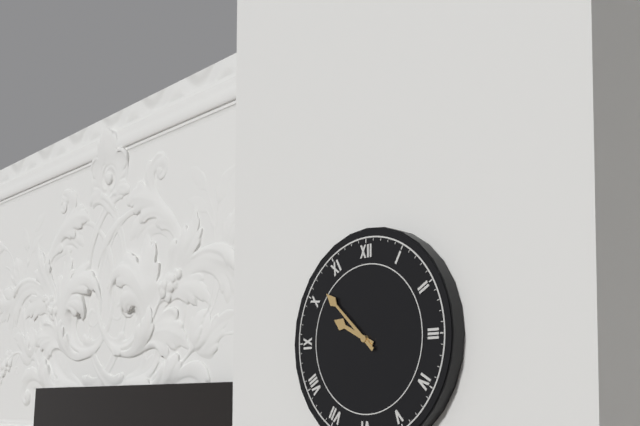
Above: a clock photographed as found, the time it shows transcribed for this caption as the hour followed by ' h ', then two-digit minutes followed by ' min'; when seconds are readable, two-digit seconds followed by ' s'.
9 h 52 min
